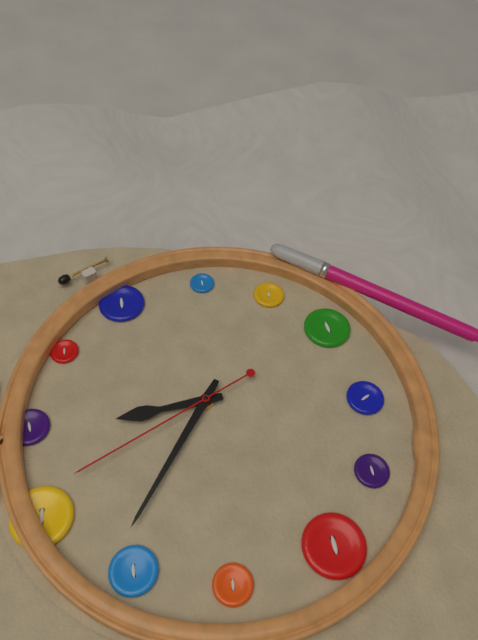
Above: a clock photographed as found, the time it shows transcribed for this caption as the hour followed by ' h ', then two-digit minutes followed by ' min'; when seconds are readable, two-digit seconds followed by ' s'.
11 h 51 min 56 s
